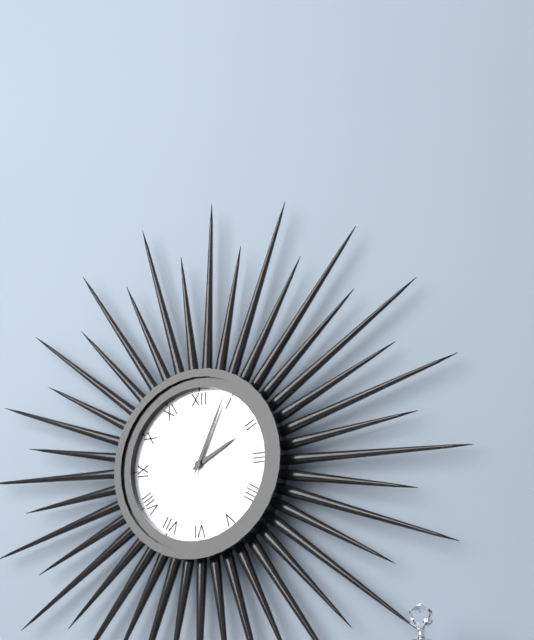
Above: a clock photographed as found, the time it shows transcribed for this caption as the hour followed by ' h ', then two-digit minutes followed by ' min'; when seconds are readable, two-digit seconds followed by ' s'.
2 h 04 min
